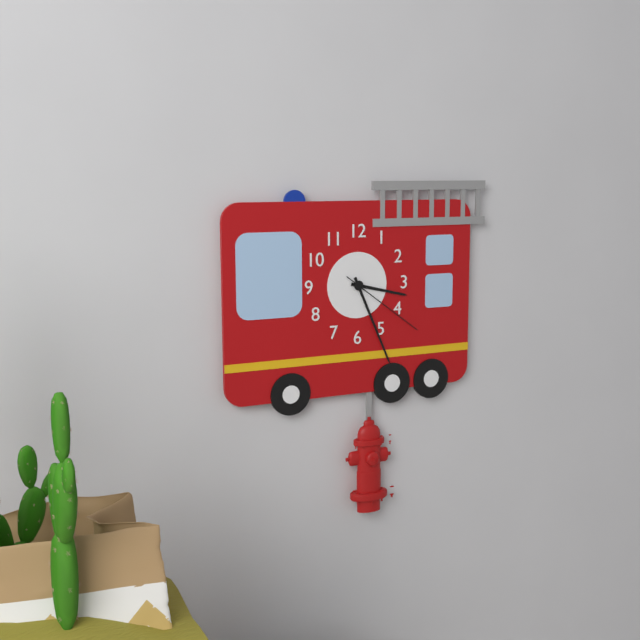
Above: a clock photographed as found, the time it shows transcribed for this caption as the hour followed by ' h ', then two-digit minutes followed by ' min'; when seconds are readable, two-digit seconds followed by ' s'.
3 h 26 min 21 s
